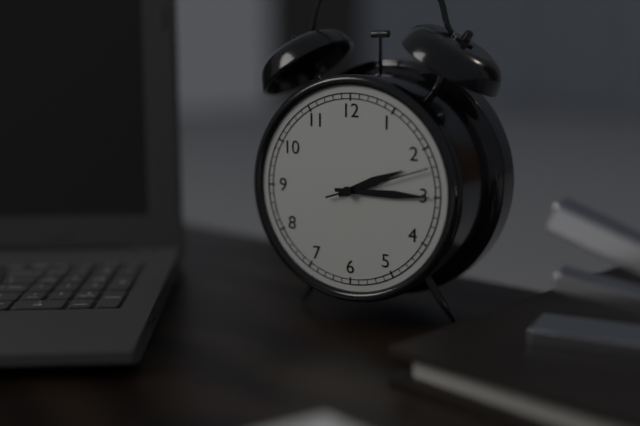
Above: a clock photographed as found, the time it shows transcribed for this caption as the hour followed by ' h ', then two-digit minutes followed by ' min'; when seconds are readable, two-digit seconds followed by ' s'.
2 h 15 min 12 s
